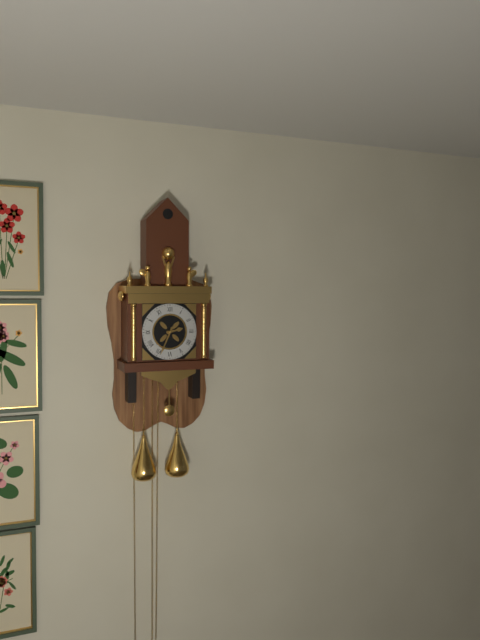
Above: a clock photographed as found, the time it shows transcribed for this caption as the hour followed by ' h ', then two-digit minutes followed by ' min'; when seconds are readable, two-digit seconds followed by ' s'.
2 h 34 min
